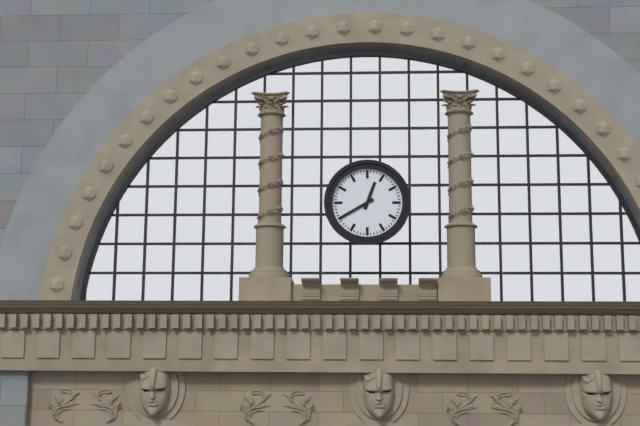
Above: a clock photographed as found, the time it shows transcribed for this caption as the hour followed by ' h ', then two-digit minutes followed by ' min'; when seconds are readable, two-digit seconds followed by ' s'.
12 h 40 min
